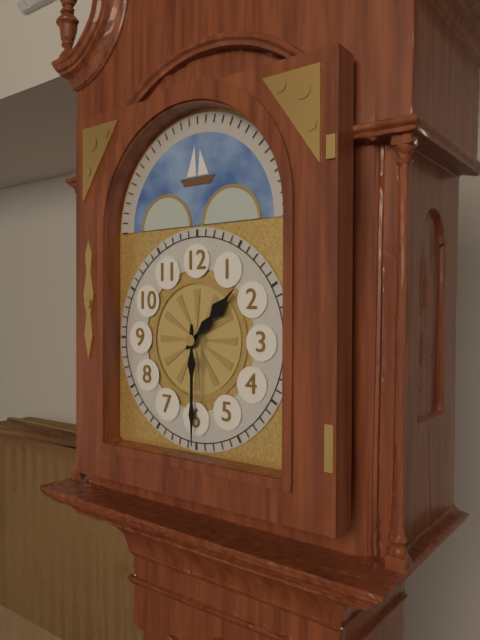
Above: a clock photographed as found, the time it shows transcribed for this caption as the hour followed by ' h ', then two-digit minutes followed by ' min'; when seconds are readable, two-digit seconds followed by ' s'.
1 h 30 min
